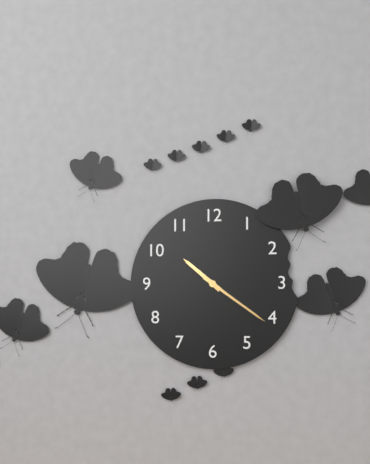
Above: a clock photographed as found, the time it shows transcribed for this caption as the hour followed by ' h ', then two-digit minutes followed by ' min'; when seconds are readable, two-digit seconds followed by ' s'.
10 h 21 min
